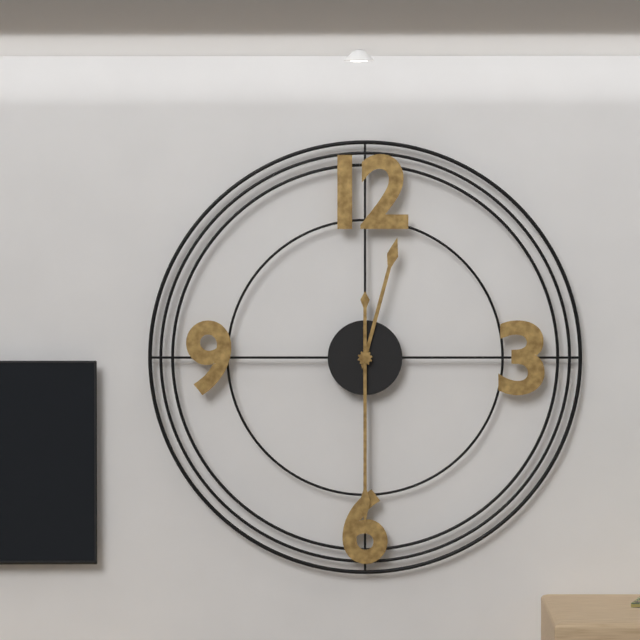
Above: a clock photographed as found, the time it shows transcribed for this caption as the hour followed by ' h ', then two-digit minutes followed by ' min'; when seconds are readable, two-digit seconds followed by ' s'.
12 h 30 min
